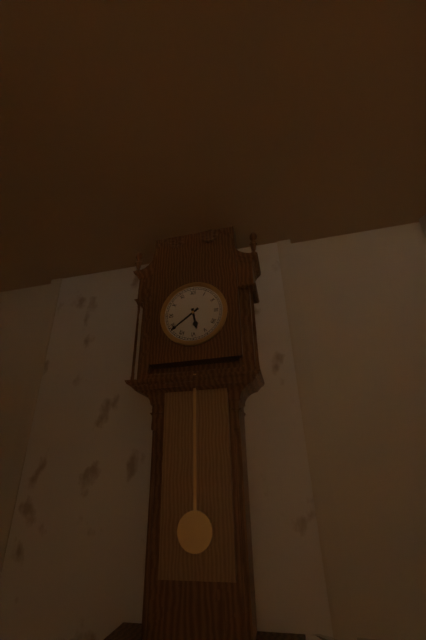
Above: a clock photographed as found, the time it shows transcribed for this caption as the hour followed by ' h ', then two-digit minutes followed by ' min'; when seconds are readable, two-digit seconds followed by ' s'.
5 h 39 min
